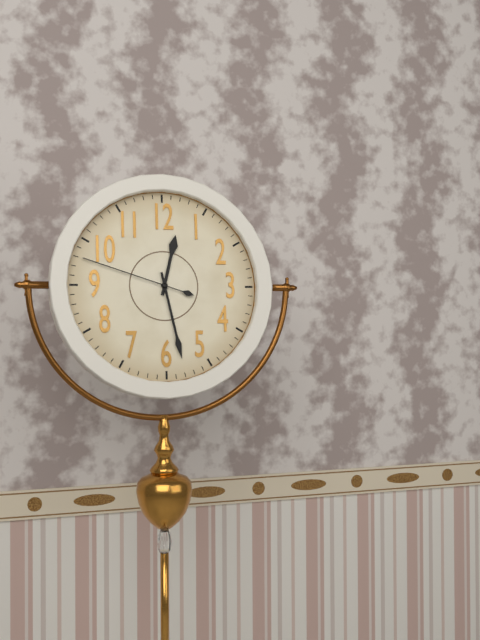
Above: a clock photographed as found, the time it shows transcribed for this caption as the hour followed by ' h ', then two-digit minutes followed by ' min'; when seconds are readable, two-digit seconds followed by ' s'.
12 h 28 min 48 s
